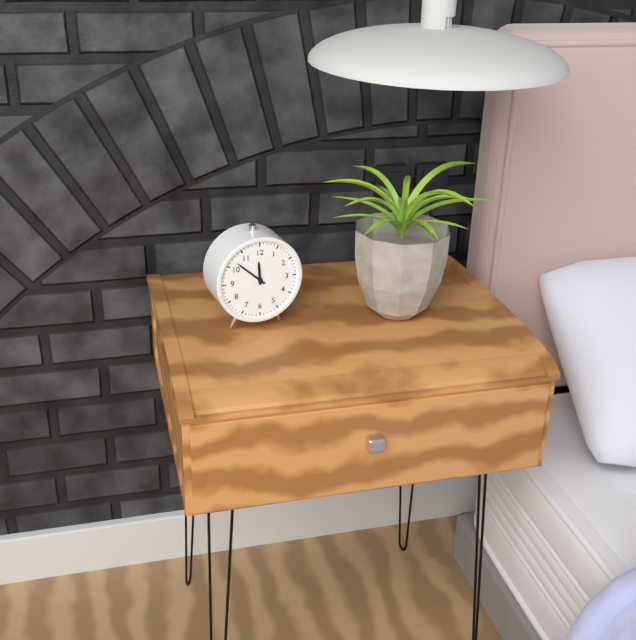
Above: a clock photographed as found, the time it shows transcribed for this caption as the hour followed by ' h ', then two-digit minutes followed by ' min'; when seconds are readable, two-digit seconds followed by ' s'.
11 h 52 min
